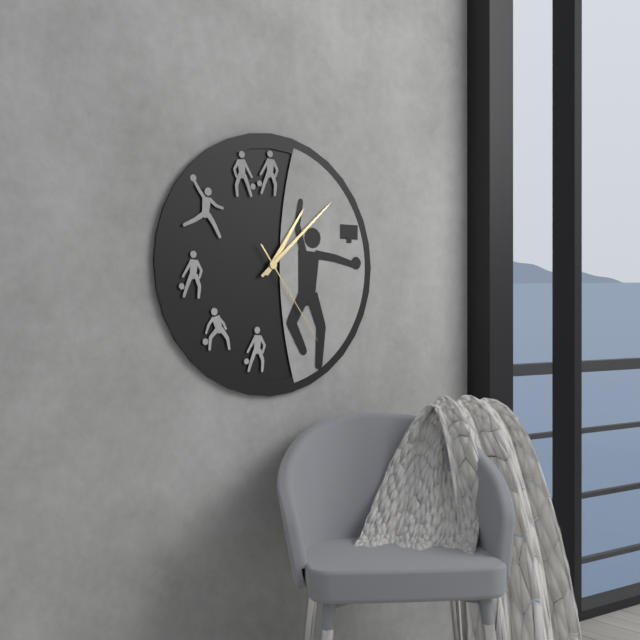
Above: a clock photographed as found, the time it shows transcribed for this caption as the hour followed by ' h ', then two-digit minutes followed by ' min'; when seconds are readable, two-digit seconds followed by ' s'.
1 h 08 min 24 s
